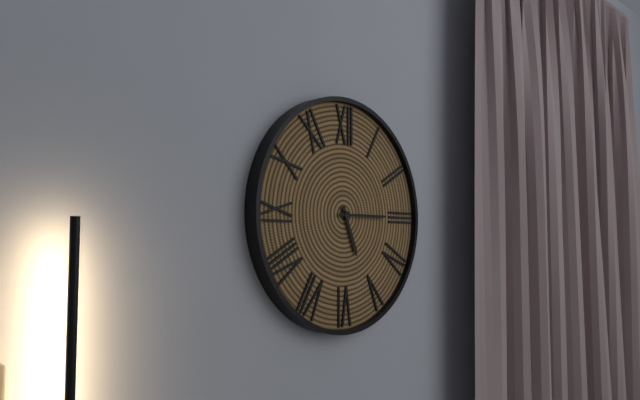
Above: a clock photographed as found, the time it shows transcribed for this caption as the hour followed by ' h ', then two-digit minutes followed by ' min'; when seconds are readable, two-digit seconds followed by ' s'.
5 h 15 min
